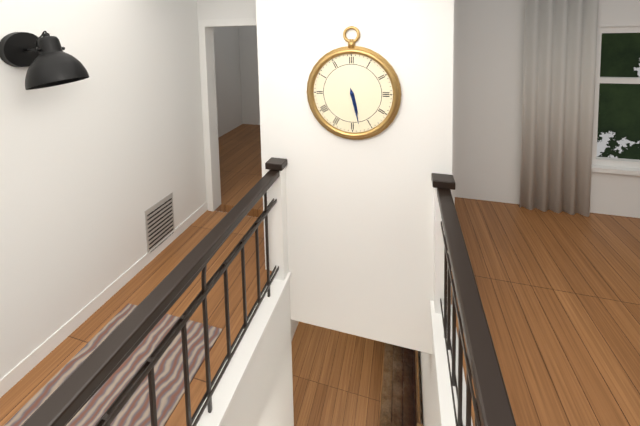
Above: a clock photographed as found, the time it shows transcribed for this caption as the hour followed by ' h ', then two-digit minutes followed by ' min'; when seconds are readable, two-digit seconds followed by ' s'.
5 h 28 min
